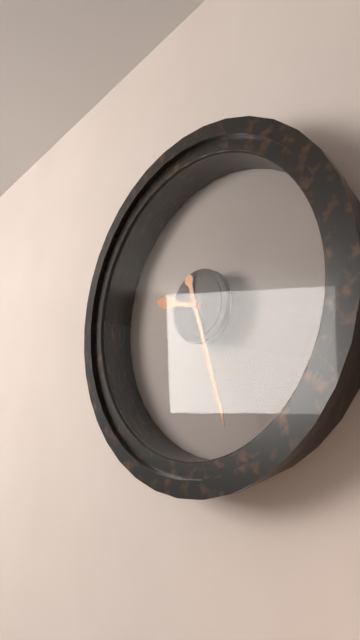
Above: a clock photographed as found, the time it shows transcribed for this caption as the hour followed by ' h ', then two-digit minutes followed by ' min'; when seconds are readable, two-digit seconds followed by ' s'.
9 h 27 min
